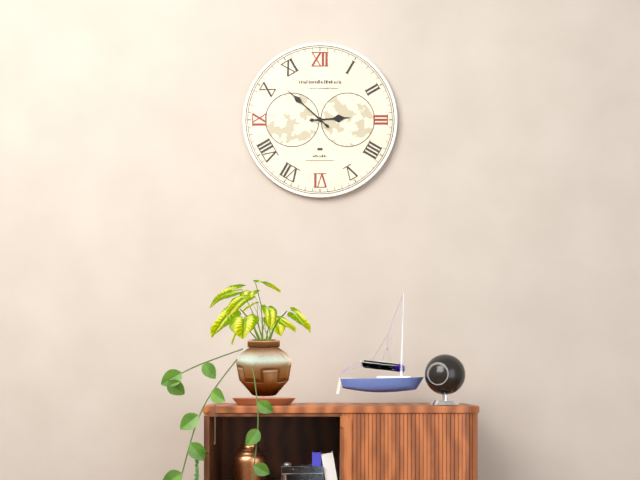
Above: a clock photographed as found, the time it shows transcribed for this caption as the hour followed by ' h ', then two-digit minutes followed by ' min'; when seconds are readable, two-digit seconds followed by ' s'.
2 h 52 min
